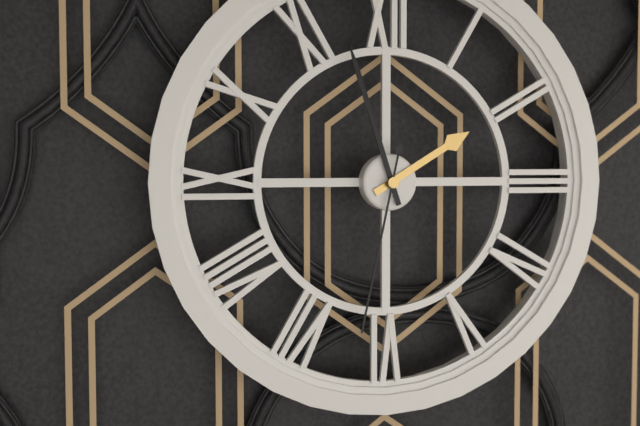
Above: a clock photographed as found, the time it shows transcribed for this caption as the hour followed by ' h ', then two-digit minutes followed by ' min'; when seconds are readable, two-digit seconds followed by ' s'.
1 h 57 min 32 s
